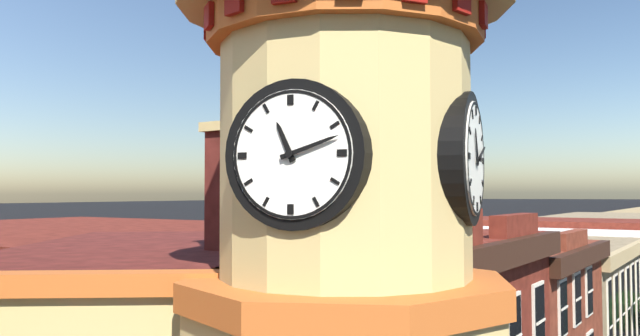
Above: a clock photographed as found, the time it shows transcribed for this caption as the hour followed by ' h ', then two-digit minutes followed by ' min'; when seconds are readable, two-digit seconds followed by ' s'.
11 h 12 min
